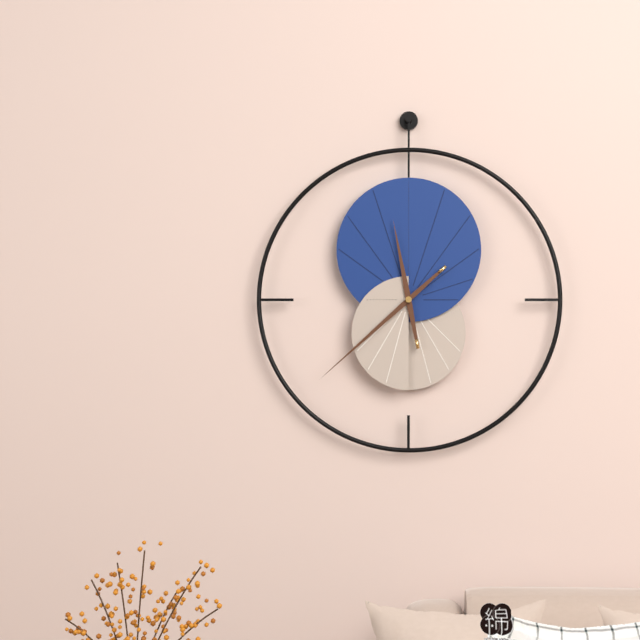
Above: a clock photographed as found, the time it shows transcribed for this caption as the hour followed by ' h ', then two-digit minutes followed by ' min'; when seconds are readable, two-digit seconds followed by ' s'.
11 h 38 min
